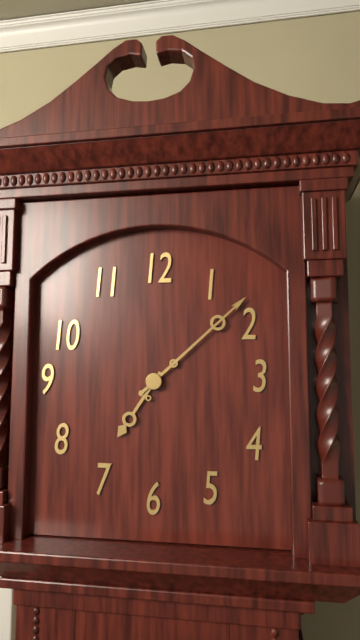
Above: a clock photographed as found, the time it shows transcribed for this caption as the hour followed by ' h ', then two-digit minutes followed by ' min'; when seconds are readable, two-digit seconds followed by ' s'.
7 h 08 min
